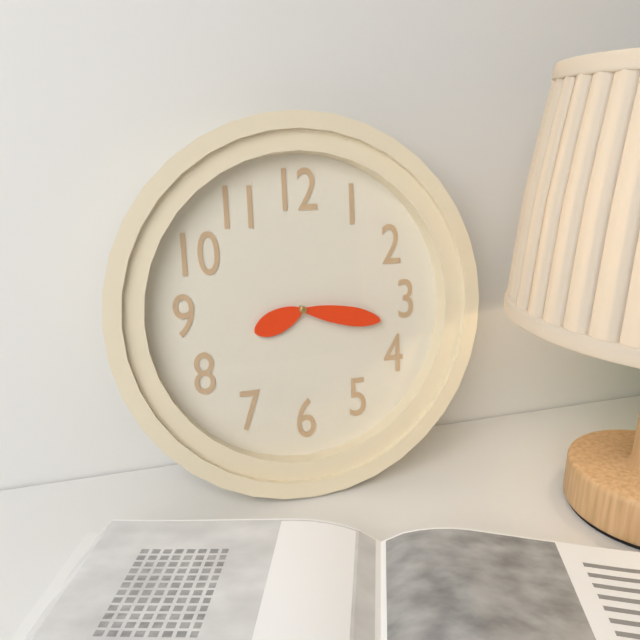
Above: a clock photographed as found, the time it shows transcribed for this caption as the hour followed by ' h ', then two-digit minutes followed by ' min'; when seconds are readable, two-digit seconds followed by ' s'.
8 h 17 min
